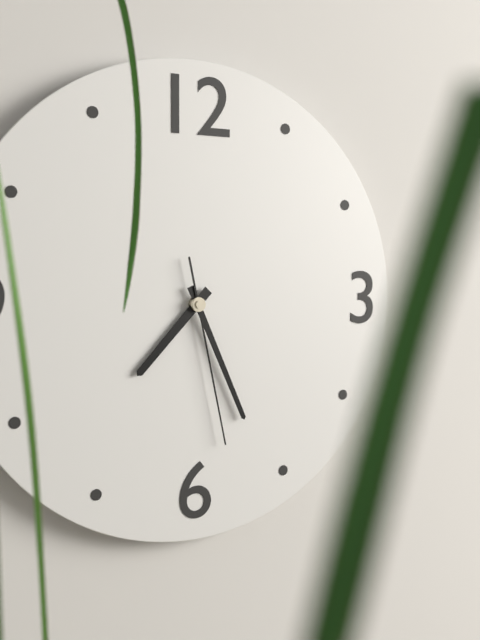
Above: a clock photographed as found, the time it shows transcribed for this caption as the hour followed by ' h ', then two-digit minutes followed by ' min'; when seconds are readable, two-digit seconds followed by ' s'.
7 h 26 min 28 s
